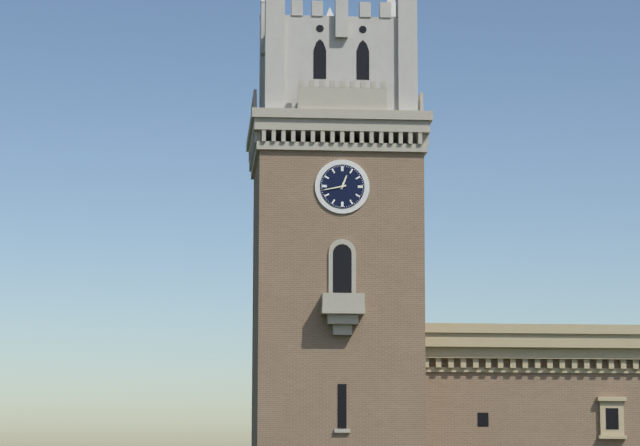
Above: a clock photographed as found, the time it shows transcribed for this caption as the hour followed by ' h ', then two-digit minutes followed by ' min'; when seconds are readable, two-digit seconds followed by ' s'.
12 h 43 min
